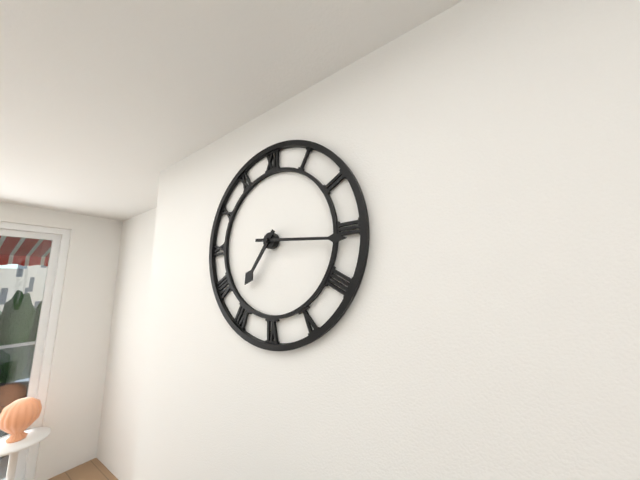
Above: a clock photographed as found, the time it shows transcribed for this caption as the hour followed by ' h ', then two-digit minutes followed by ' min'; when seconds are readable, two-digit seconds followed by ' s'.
7 h 16 min
